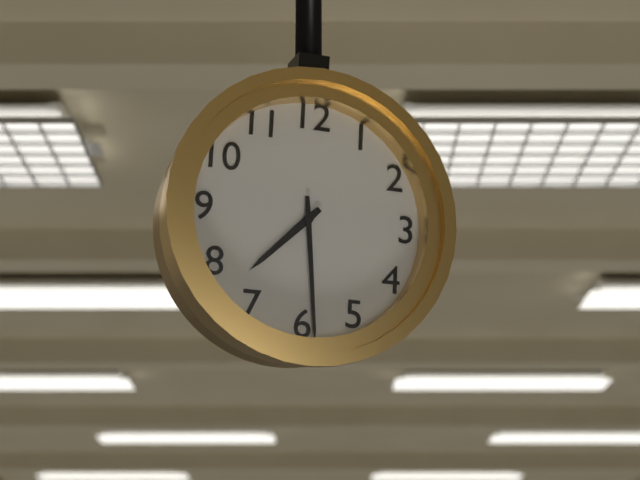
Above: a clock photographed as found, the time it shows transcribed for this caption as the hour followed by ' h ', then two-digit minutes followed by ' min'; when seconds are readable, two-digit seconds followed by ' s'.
7 h 29 min
